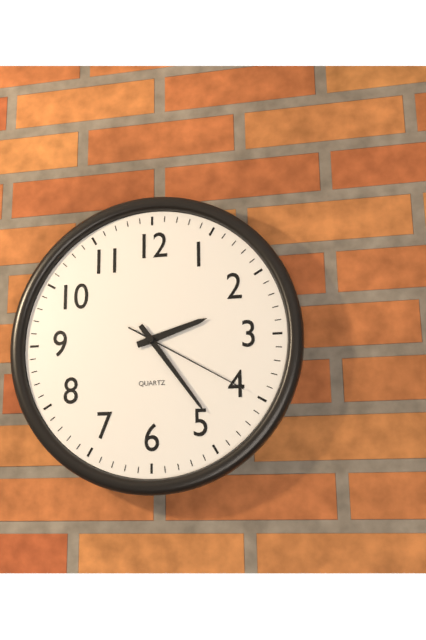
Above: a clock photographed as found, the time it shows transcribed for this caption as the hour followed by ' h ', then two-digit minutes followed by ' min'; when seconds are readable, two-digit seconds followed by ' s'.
2 h 24 min 20 s
